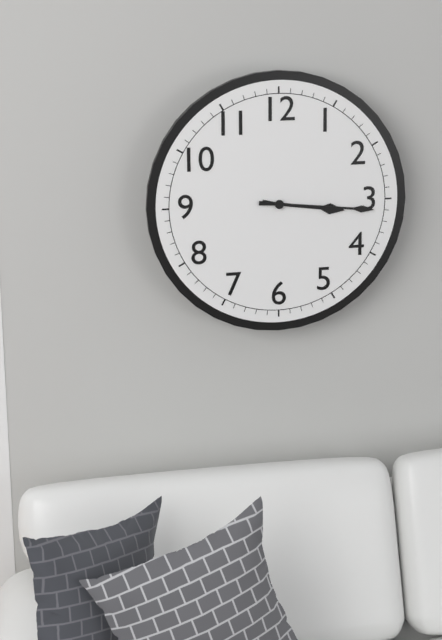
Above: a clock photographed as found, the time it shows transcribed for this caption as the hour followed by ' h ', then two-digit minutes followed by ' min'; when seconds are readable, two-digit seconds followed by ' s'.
3 h 16 min
